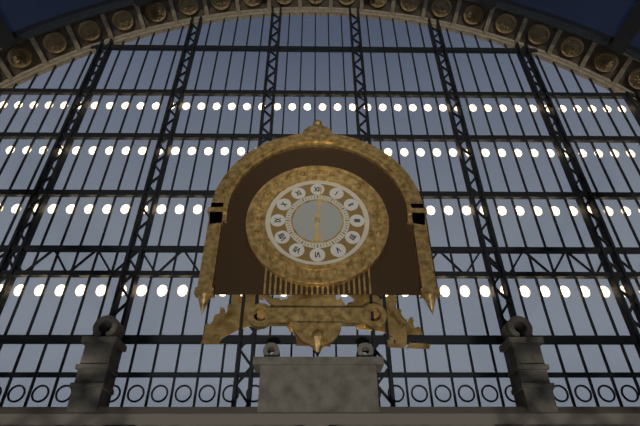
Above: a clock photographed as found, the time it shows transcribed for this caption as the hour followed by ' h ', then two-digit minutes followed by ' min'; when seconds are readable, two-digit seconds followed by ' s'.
6 h 01 min
